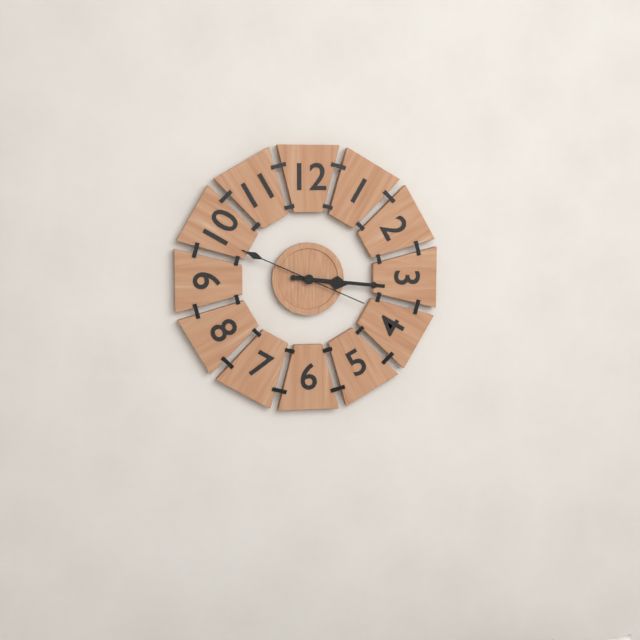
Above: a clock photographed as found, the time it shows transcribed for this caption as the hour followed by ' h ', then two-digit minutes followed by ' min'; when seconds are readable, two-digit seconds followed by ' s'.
3 h 16 min 49 s
